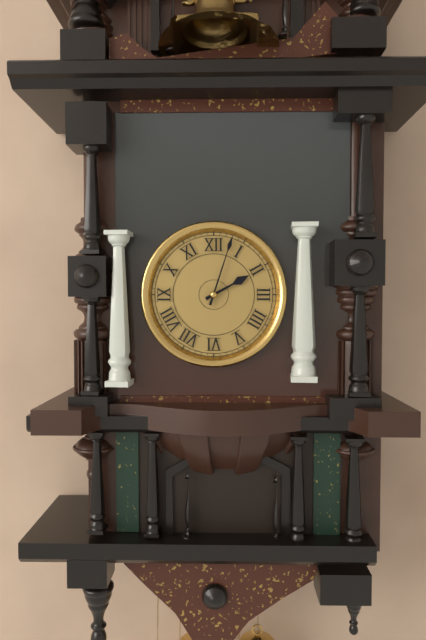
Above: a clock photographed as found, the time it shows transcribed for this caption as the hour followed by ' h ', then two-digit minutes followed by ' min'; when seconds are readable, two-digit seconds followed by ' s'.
2 h 03 min
